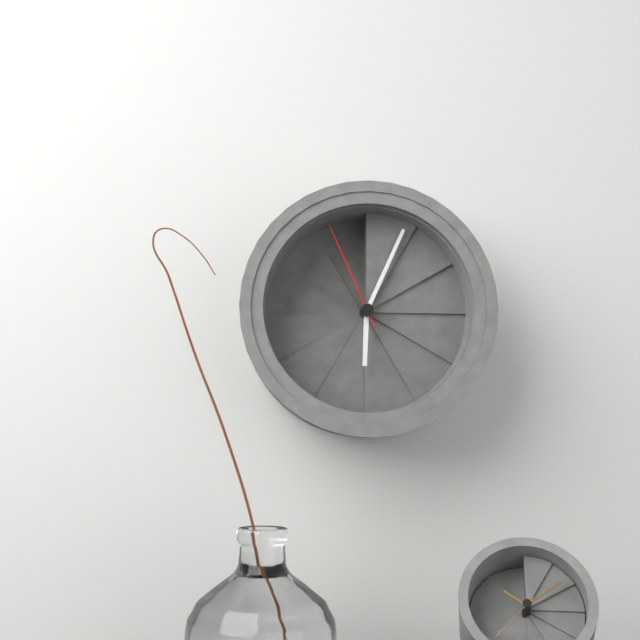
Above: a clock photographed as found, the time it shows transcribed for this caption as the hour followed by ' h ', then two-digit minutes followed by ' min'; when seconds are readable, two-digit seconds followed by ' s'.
6 h 04 min 56 s
